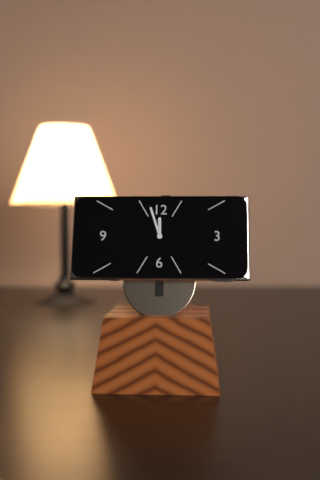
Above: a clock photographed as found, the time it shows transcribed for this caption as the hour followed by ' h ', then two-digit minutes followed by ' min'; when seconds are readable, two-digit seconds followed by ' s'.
11 h 57 min
